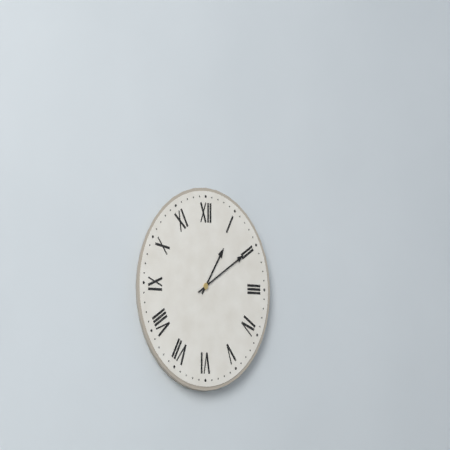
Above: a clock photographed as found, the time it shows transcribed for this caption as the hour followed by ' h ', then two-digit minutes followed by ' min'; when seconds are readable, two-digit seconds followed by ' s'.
1 h 10 min
